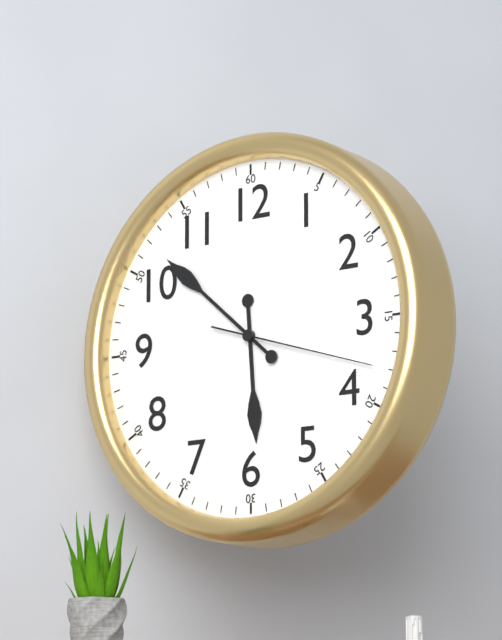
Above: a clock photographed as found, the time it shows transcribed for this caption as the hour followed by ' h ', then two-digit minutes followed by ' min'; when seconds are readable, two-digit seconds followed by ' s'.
5 h 52 min 18 s
